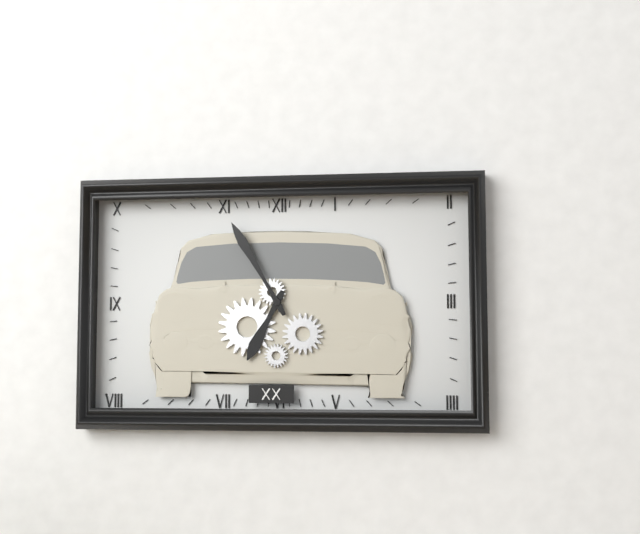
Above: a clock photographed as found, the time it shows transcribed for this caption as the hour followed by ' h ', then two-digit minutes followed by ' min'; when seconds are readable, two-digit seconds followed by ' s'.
6 h 55 min
